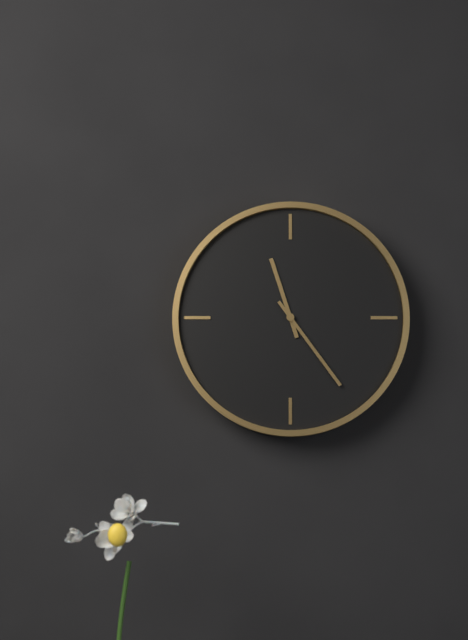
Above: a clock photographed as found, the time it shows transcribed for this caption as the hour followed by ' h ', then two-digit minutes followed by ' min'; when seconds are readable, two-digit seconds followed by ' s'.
11 h 24 min
